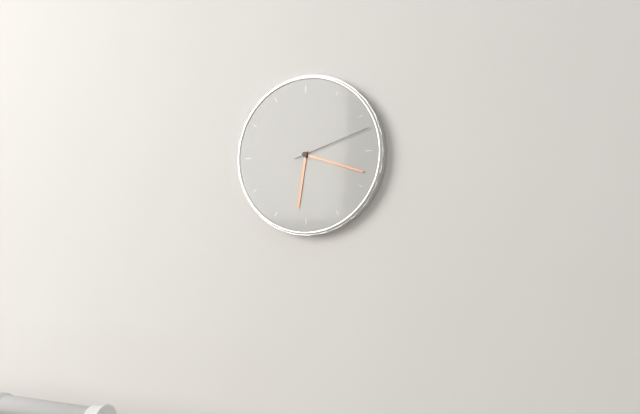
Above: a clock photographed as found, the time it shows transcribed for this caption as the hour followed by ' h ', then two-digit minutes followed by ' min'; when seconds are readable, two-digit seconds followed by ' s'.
6 h 18 min 12 s
